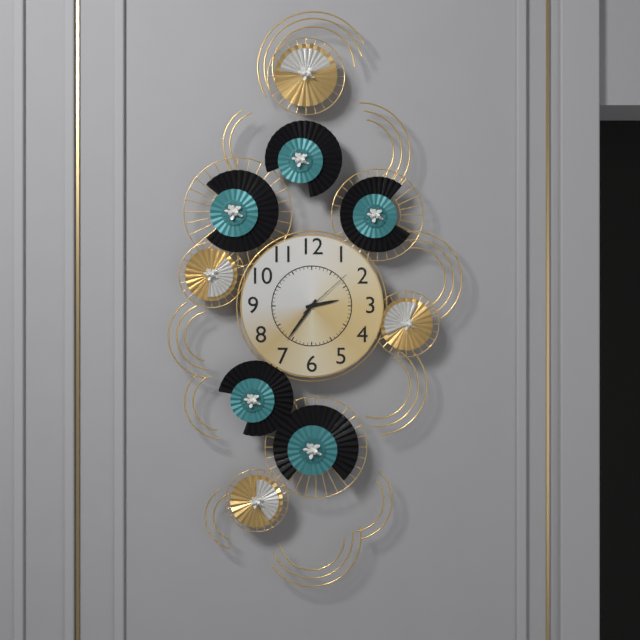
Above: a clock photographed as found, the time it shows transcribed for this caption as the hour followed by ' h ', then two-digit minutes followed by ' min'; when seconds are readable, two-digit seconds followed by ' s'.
2 h 36 min 08 s
